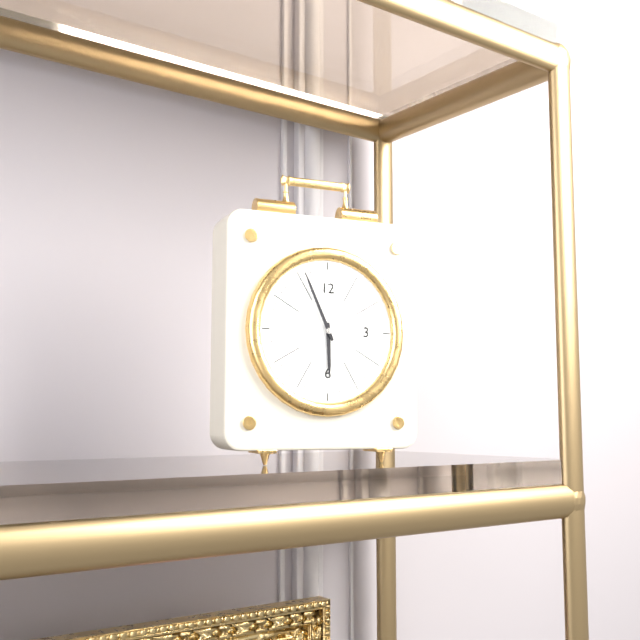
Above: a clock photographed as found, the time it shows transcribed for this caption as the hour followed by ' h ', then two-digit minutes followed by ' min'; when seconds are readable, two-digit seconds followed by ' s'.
5 h 56 min
